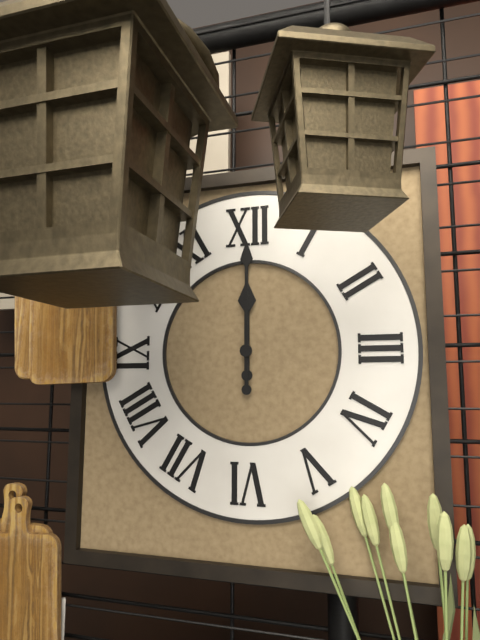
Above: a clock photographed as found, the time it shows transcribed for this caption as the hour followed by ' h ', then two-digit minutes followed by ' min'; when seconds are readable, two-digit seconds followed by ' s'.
12 h 00 min
